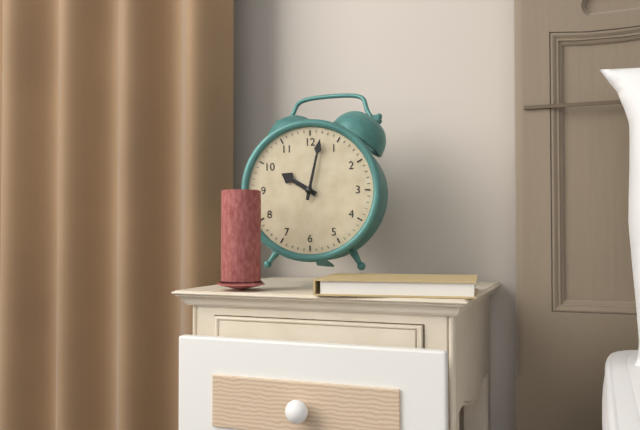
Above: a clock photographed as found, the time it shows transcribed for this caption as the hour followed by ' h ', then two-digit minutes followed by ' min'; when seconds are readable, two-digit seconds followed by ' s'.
10 h 02 min
